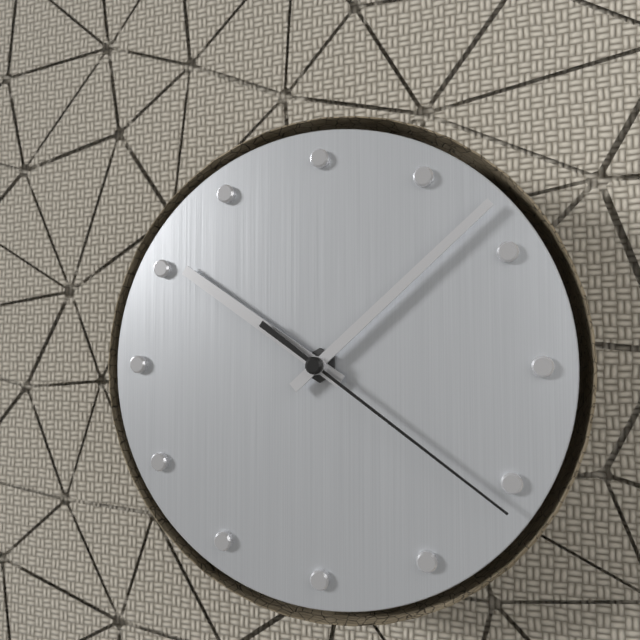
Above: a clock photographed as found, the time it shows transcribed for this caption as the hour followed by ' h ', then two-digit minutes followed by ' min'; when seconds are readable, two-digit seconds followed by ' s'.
10 h 08 min 21 s
